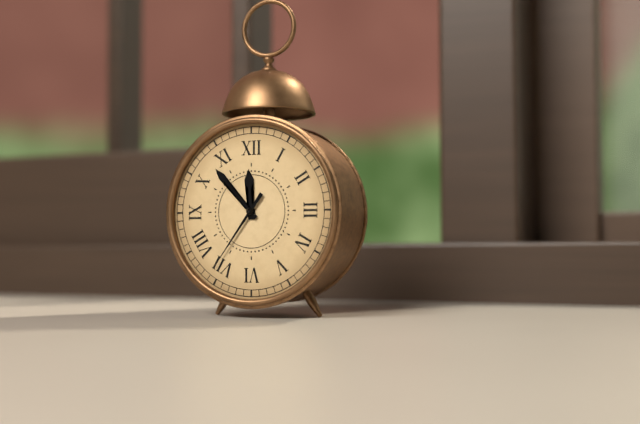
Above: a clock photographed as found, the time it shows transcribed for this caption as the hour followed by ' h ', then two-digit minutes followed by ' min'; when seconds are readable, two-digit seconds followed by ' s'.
11 h 53 min 36 s
